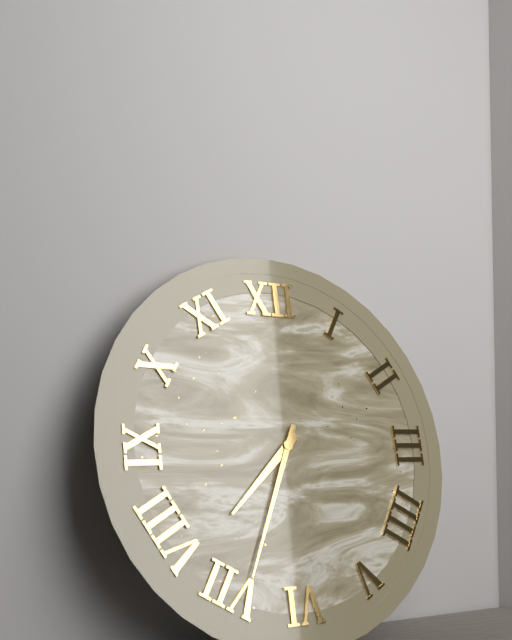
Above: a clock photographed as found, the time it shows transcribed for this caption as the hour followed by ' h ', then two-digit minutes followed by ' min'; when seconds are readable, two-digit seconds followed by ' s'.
7 h 34 min
